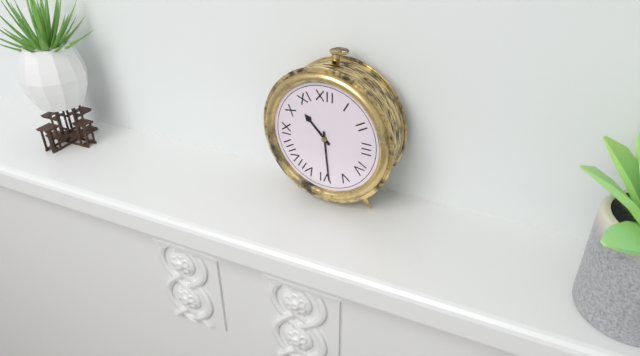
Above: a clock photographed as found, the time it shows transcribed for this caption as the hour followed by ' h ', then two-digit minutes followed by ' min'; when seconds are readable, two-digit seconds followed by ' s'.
10 h 29 min
